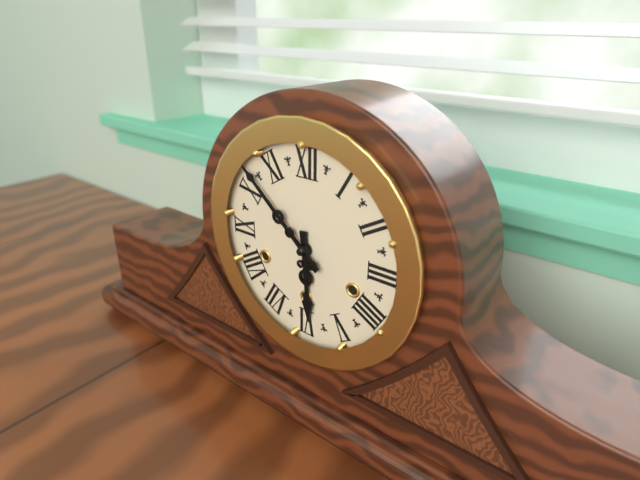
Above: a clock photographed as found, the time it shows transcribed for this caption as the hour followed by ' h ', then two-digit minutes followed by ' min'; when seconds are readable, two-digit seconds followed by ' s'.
5 h 52 min
